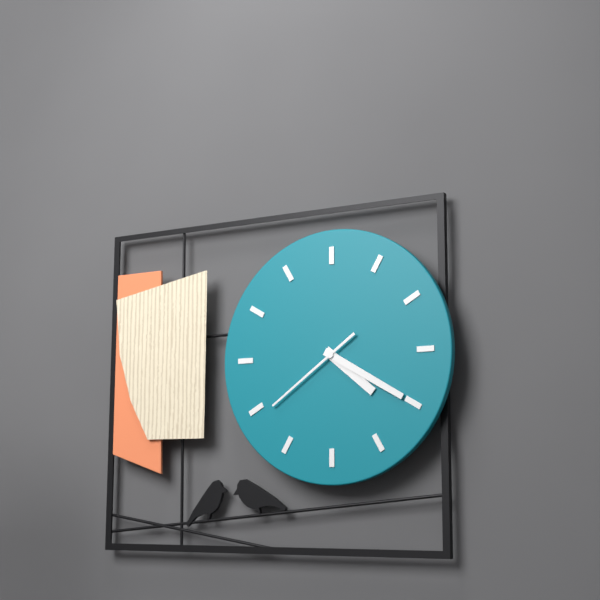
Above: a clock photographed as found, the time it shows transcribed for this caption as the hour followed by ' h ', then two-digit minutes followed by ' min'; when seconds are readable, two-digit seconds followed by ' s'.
4 h 20 min 39 s
